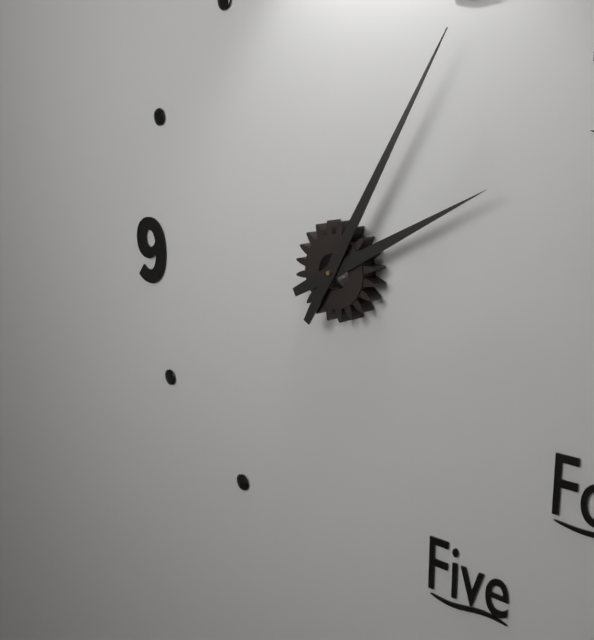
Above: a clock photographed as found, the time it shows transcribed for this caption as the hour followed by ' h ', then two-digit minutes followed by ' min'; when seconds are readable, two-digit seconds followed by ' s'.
2 h 05 min
